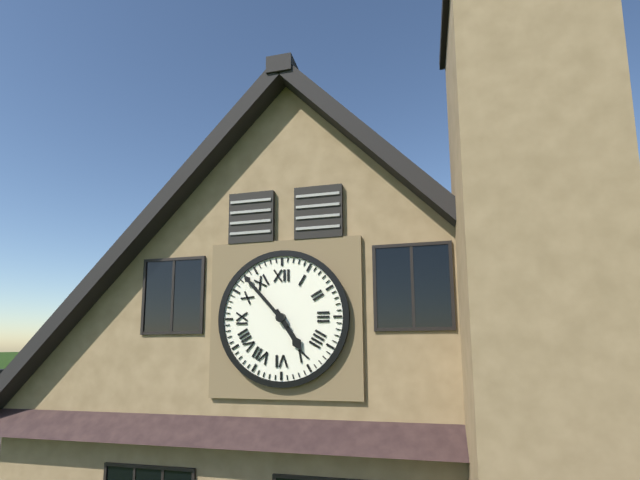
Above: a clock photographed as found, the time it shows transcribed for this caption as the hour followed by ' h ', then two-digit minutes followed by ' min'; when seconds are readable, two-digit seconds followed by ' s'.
4 h 53 min
